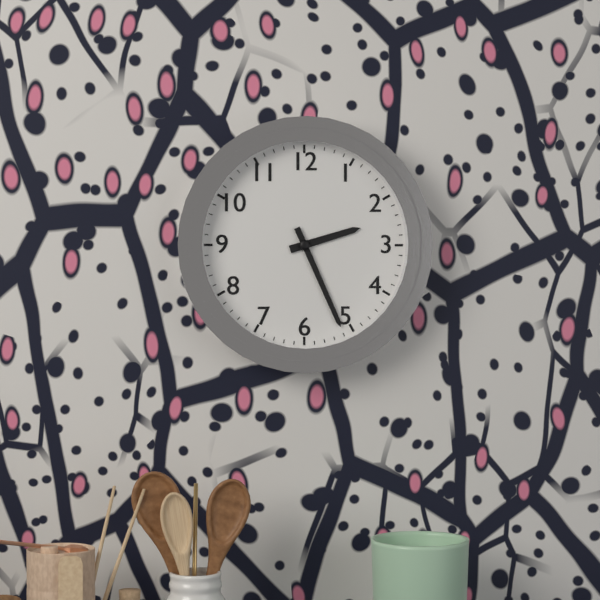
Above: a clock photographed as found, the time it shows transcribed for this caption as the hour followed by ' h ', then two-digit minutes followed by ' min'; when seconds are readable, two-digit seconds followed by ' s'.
2 h 26 min
